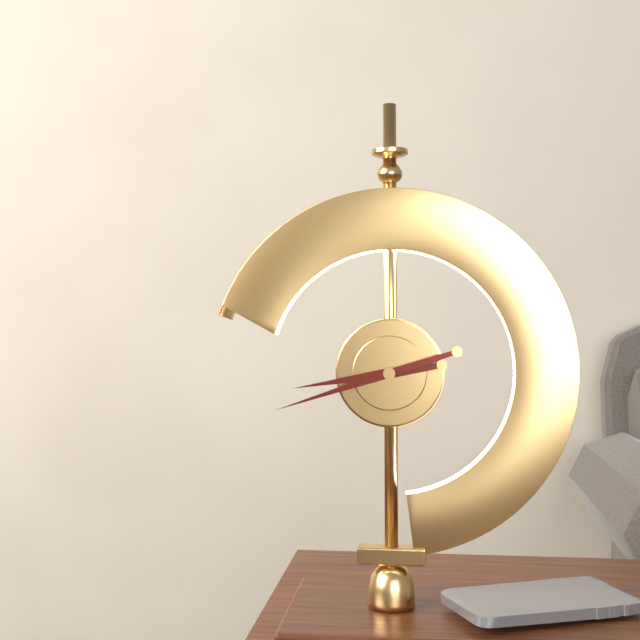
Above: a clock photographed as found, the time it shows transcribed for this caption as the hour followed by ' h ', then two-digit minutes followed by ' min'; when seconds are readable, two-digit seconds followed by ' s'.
8 h 42 min
